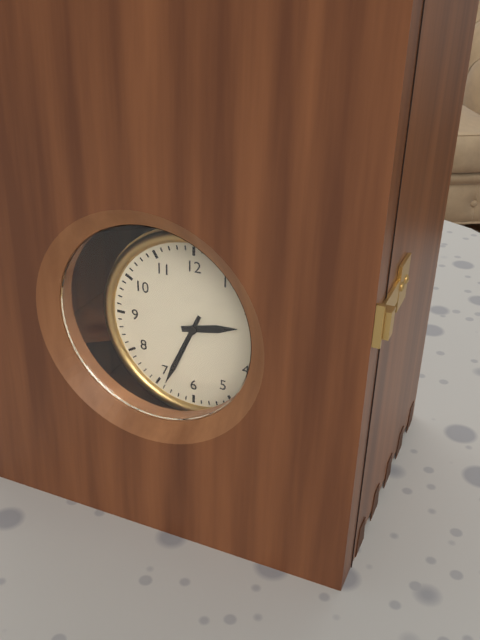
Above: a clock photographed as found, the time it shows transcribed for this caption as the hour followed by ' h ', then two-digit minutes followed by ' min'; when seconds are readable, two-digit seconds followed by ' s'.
2 h 34 min
